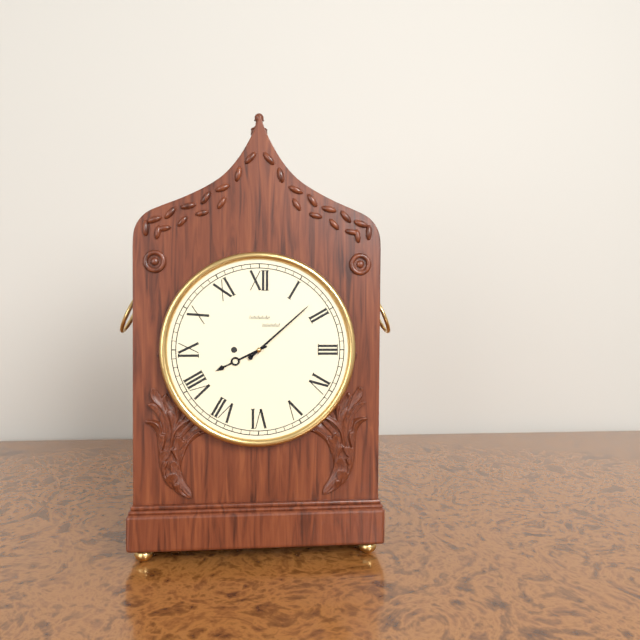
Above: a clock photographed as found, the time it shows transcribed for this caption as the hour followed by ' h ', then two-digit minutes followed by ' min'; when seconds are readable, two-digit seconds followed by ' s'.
8 h 08 min
